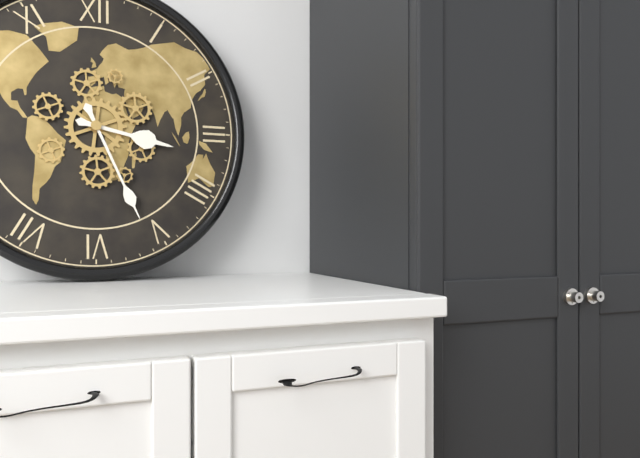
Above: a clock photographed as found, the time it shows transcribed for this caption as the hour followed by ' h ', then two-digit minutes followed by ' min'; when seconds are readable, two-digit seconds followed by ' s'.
3 h 26 min
